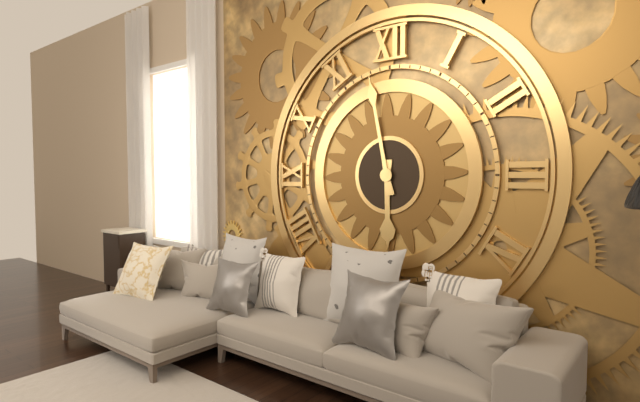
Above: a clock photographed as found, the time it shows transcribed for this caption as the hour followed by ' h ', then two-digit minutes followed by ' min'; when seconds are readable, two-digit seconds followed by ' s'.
5 h 58 min
